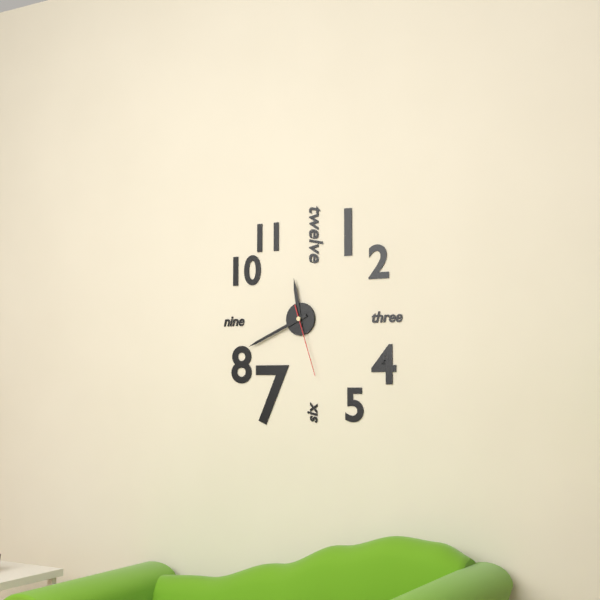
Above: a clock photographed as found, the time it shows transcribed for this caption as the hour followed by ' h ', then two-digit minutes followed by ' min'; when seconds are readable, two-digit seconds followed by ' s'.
11 h 41 min 27 s
